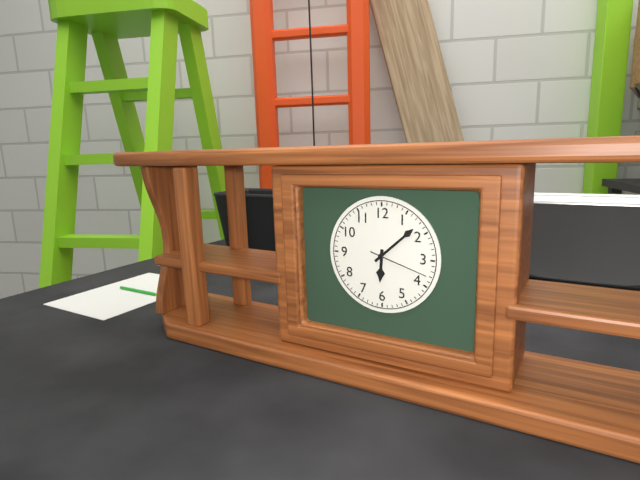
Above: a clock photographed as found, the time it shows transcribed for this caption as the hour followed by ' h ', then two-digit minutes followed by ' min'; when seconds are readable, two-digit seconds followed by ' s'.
6 h 08 min 18 s
